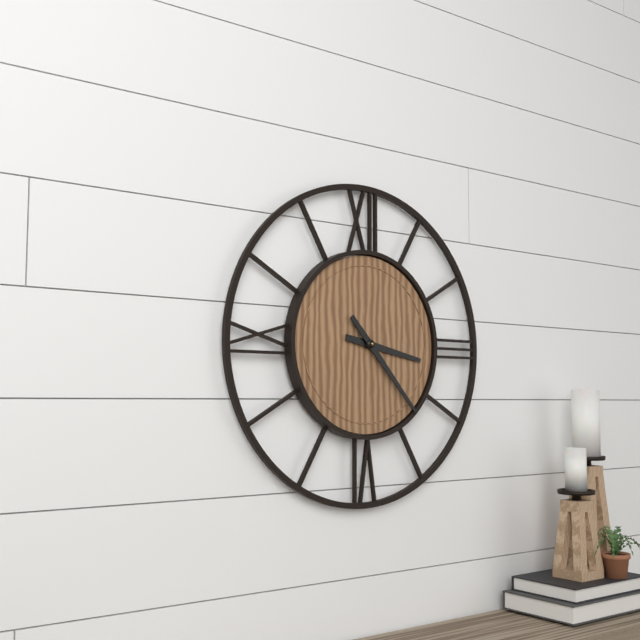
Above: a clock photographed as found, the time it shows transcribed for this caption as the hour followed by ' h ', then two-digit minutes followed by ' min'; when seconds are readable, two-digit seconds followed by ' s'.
3 h 23 min
